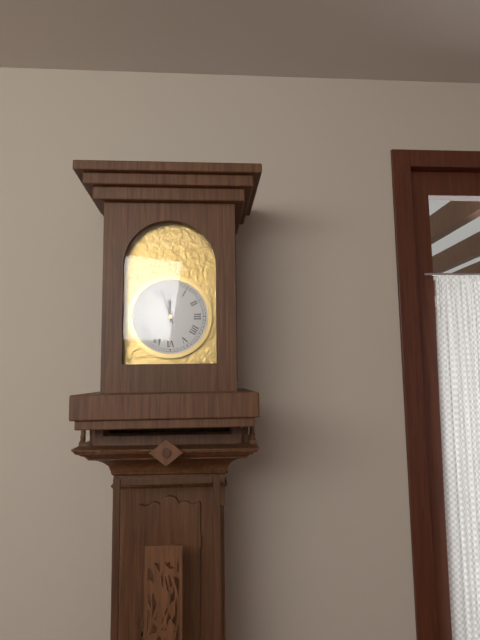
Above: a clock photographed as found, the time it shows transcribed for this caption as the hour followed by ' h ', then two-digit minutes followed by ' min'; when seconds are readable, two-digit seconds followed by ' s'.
11 h 57 min
